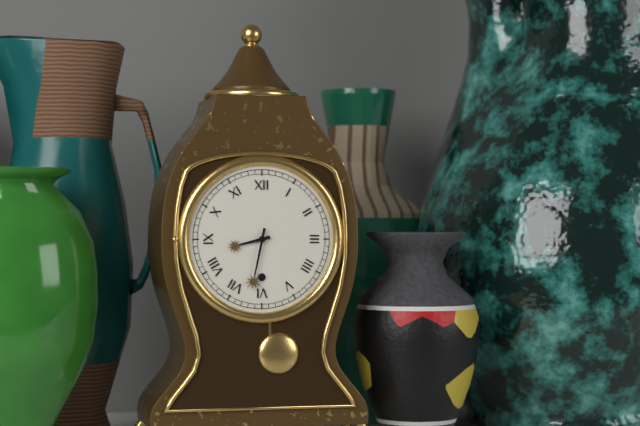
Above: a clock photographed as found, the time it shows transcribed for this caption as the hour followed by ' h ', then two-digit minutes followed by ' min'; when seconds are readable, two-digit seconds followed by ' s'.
8 h 32 min
